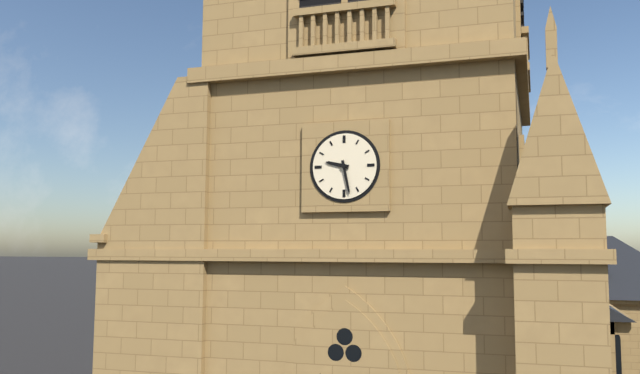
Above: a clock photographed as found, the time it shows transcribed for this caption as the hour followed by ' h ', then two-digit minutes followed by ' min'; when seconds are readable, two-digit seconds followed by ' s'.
9 h 28 min
